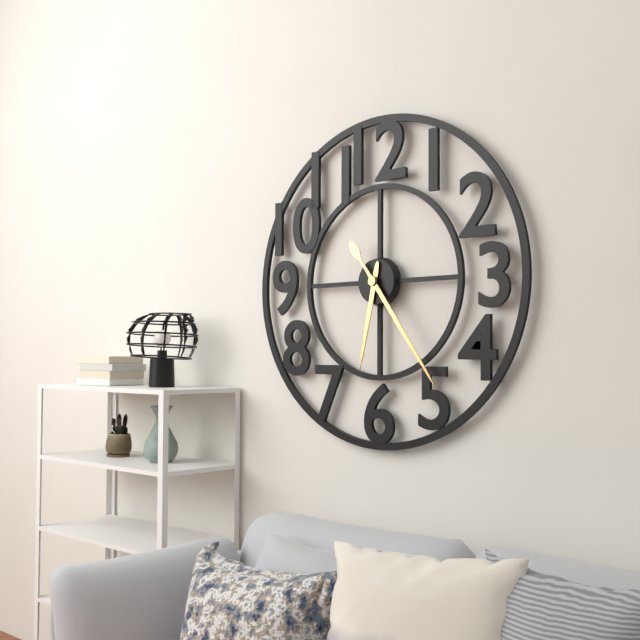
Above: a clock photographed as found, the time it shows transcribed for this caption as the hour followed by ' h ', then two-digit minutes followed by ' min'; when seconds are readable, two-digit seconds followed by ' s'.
6 h 24 min
